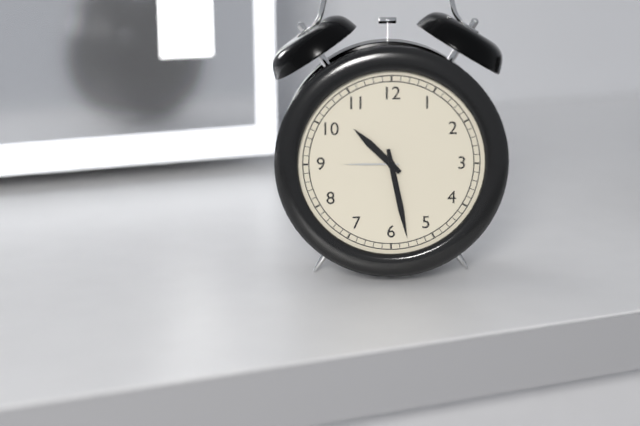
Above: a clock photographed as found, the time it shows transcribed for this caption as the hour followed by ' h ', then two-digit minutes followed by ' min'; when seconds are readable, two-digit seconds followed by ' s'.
10 h 28 min
